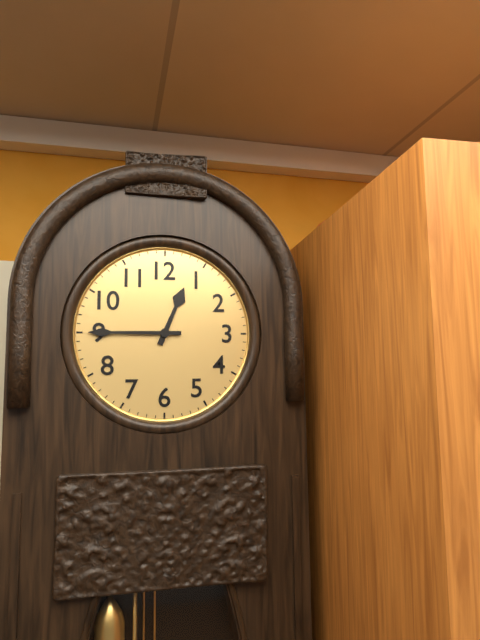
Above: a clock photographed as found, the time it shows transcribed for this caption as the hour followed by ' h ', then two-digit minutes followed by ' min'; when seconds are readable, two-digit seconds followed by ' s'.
12 h 45 min
